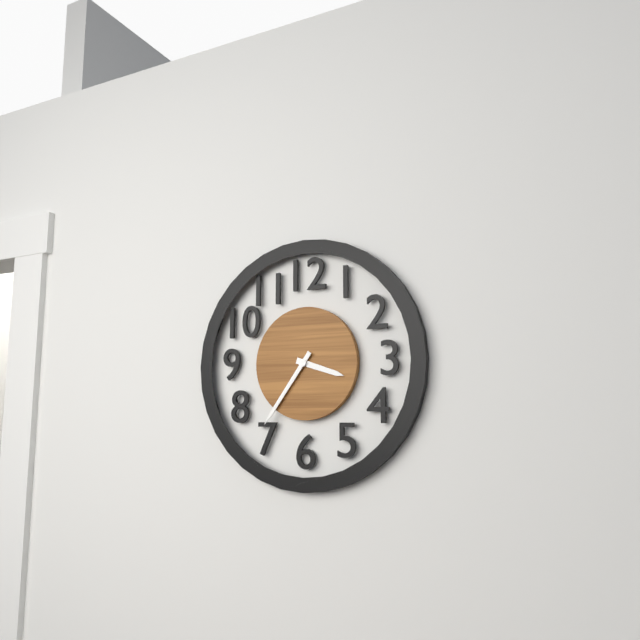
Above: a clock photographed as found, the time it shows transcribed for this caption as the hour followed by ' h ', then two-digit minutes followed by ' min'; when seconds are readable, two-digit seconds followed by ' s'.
3 h 36 min
